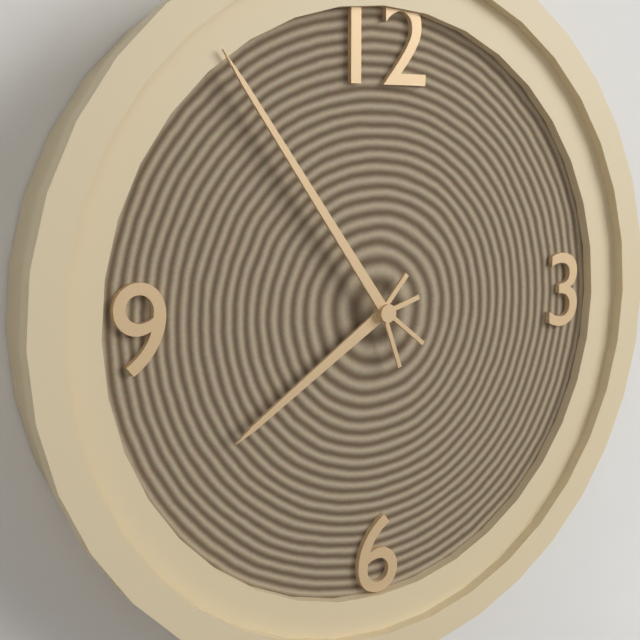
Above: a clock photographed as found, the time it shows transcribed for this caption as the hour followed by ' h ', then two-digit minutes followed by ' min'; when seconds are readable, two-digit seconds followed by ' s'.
7 h 54 min
